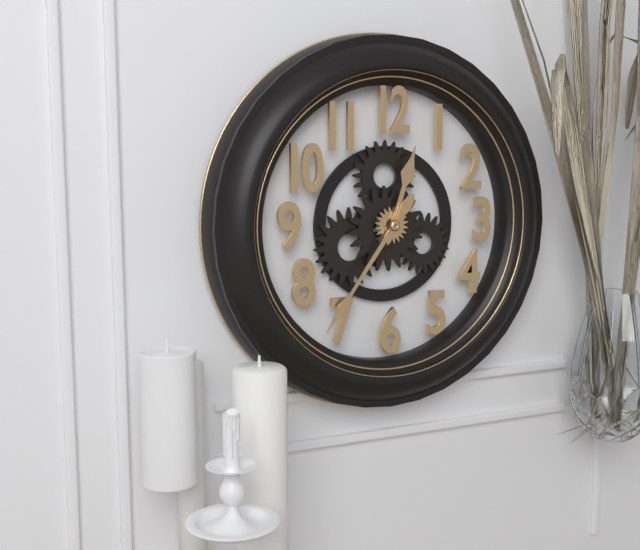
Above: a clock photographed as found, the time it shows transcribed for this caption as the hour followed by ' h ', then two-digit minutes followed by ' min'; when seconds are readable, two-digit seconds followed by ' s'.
12 h 36 min
